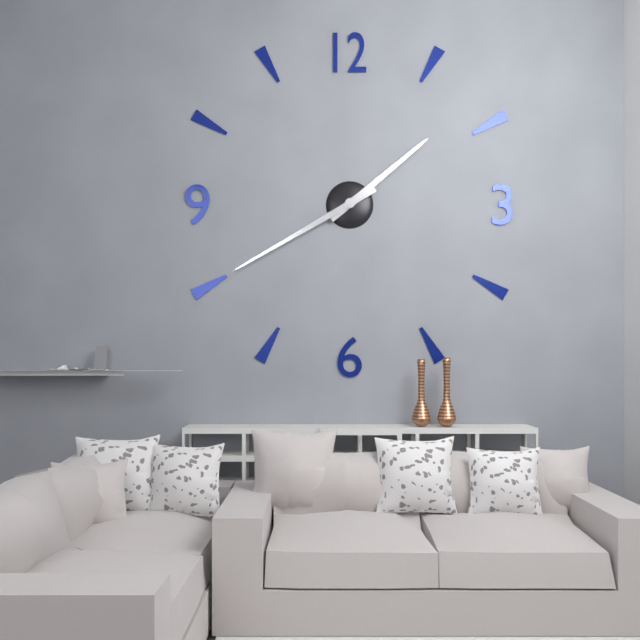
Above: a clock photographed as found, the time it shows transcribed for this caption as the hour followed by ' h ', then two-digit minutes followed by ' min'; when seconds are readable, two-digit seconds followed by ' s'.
1 h 40 min
